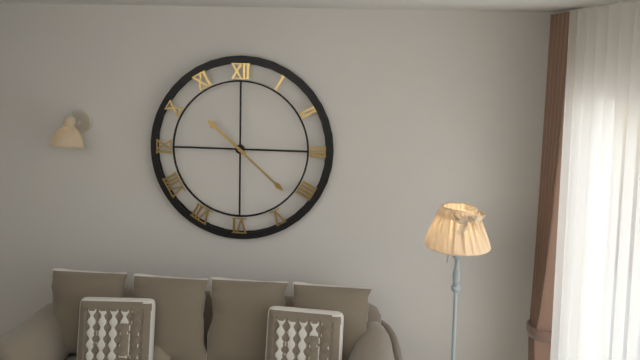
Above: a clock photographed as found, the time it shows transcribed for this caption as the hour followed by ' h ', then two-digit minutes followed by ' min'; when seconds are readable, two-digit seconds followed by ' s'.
10 h 22 min
